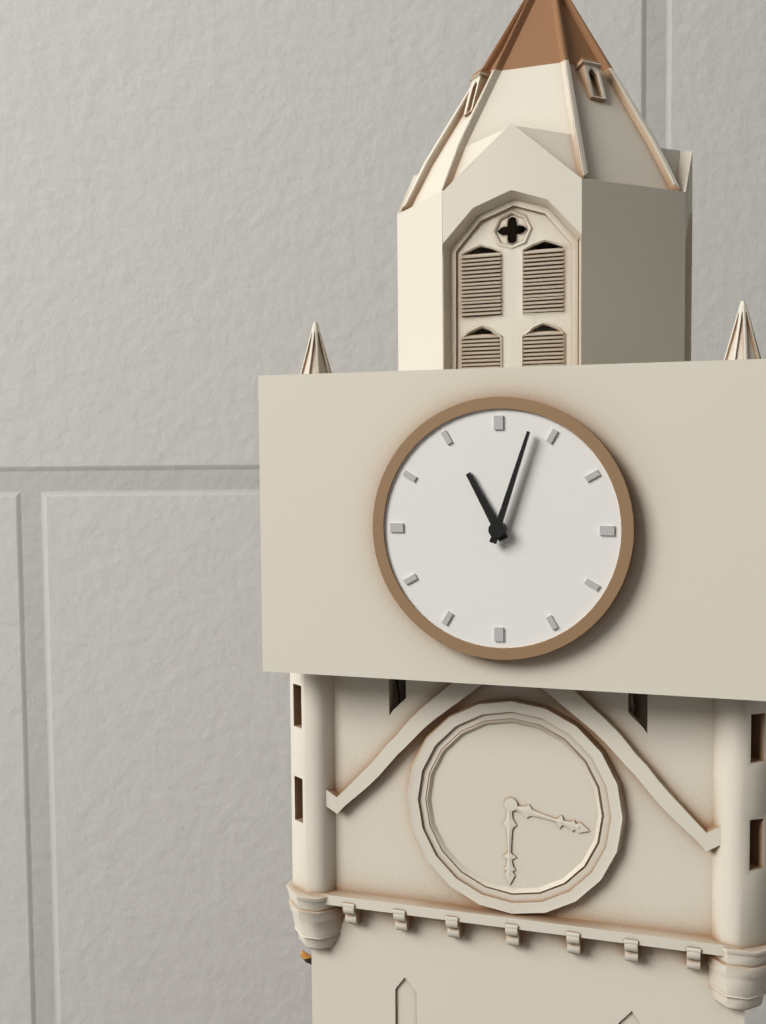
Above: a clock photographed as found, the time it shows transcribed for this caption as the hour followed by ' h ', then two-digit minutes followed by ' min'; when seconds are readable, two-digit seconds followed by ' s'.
11 h 03 min
